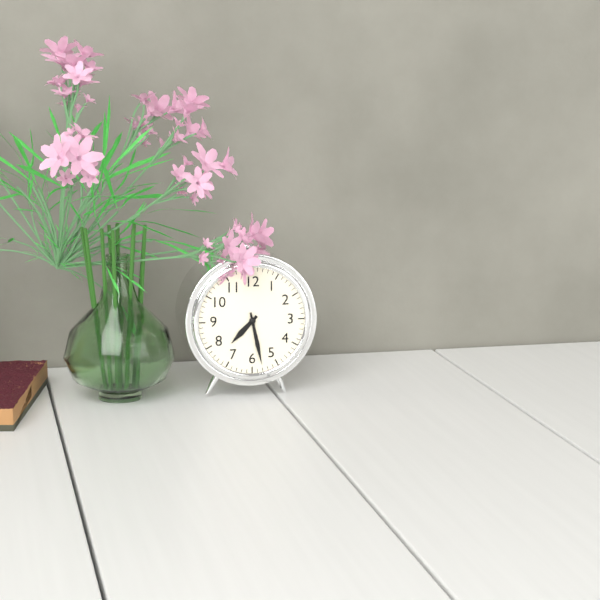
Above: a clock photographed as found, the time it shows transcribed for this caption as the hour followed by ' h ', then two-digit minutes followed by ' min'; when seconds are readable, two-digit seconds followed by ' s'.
7 h 28 min
